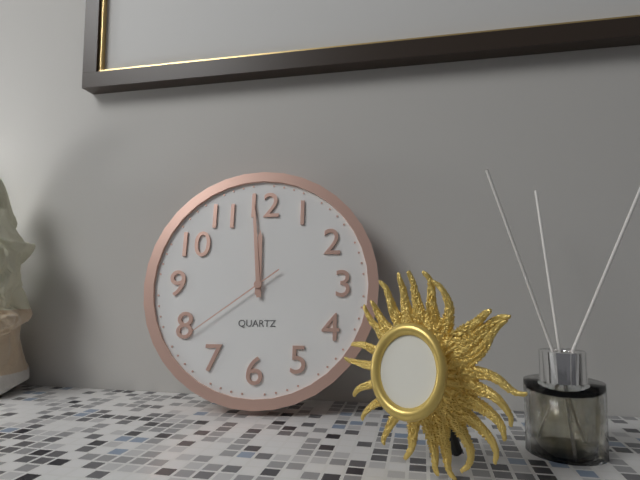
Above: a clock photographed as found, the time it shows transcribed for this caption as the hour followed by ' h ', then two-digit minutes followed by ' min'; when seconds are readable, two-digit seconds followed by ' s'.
11 h 59 min 39 s
